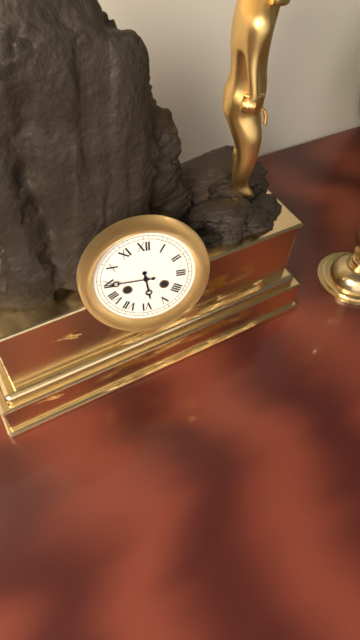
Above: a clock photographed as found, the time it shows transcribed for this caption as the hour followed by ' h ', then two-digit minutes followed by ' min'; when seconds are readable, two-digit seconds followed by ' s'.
5 h 45 min
